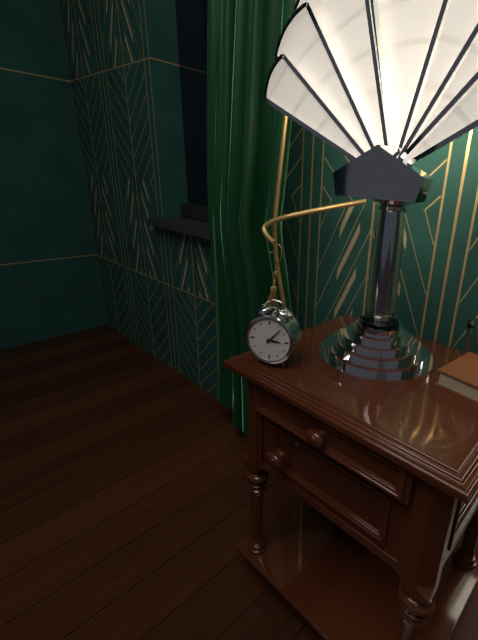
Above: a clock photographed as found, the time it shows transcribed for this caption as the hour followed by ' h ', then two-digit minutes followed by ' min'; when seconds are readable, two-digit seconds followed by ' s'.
3 h 07 min
